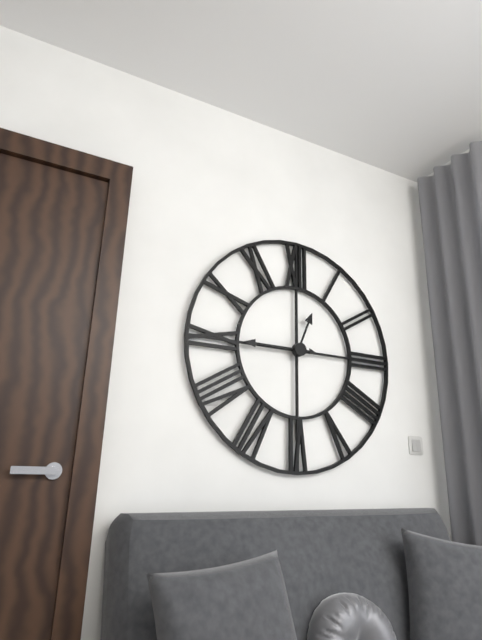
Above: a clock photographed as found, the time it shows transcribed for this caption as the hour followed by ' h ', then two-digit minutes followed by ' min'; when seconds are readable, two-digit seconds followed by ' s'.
12 h 45 min
